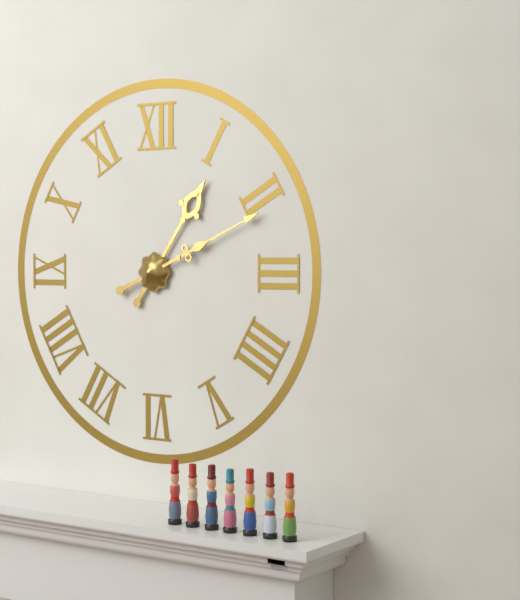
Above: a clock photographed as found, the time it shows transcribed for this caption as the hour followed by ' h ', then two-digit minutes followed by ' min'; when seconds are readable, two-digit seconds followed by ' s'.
1 h 11 min
